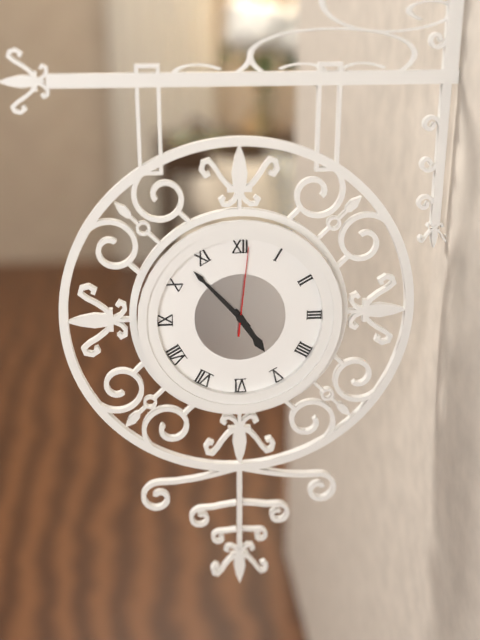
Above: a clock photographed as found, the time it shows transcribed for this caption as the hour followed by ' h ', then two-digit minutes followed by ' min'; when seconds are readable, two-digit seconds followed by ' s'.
4 h 53 min 01 s
